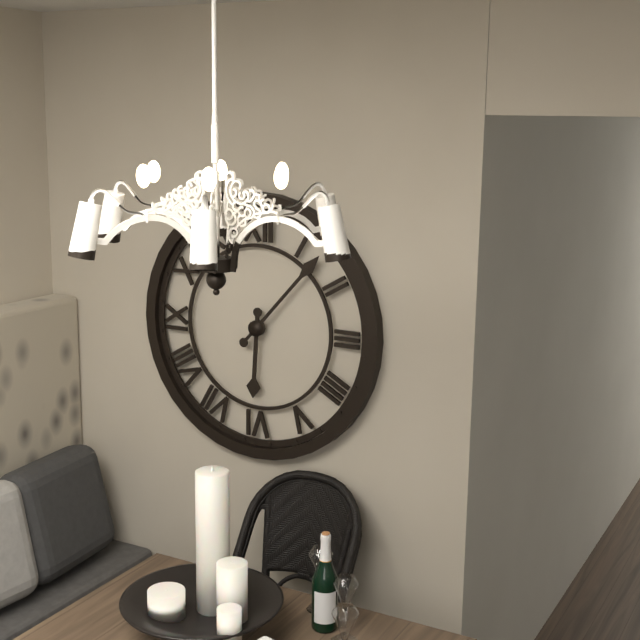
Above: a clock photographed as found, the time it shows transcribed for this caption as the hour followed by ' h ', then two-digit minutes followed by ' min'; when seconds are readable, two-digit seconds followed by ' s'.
6 h 07 min
